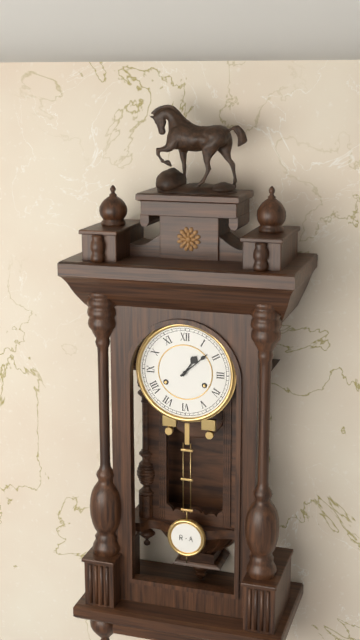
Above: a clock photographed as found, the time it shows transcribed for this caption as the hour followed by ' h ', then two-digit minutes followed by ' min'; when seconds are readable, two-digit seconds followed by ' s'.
1 h 08 min
